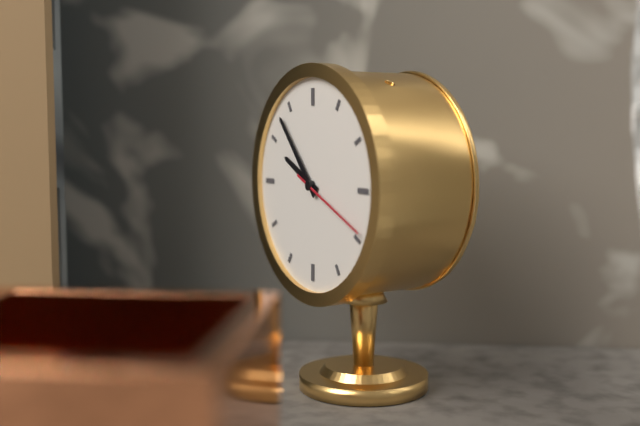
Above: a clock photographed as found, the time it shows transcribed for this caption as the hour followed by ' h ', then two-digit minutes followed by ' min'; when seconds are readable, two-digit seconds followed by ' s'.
9 h 53 min 19 s
